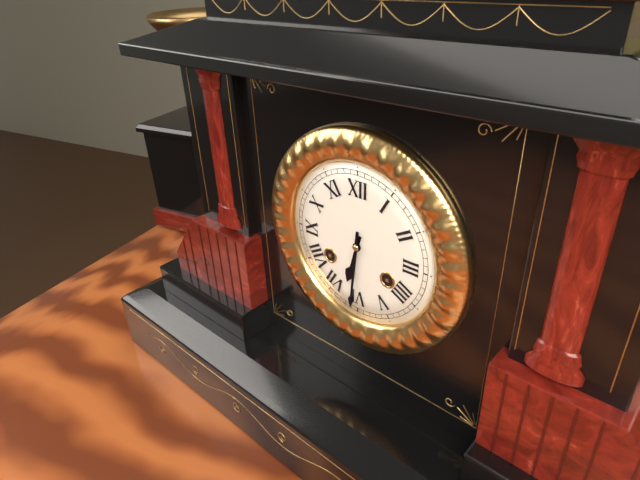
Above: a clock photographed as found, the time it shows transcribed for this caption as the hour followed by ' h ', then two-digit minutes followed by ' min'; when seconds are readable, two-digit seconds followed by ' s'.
6 h 31 min
